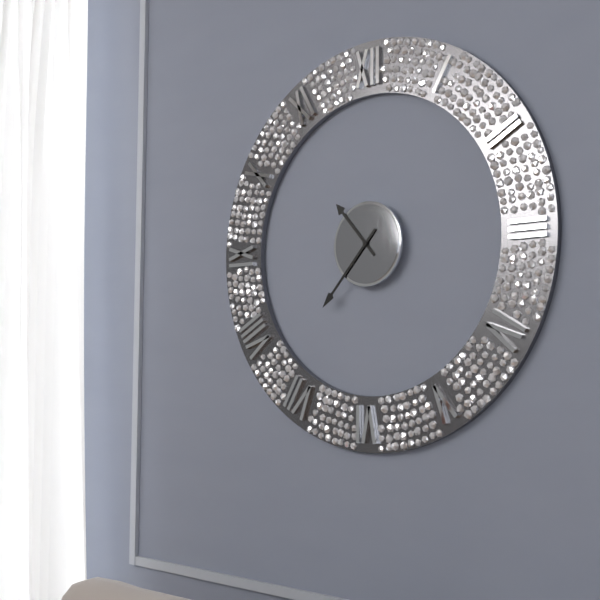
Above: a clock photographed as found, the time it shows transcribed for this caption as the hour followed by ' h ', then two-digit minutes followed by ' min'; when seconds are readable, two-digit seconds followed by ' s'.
10 h 37 min
